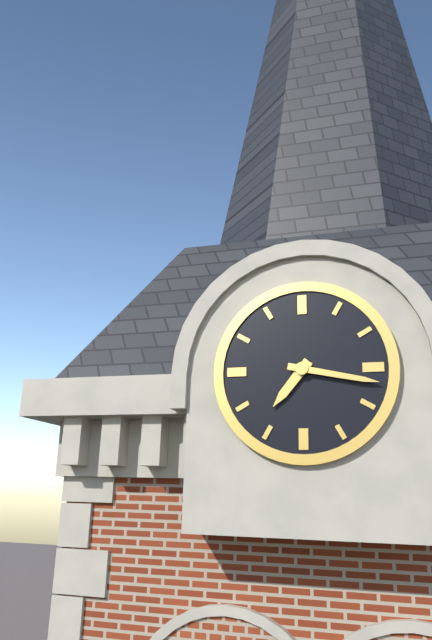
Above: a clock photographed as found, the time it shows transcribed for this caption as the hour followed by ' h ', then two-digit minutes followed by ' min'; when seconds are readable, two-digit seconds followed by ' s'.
7 h 17 min
